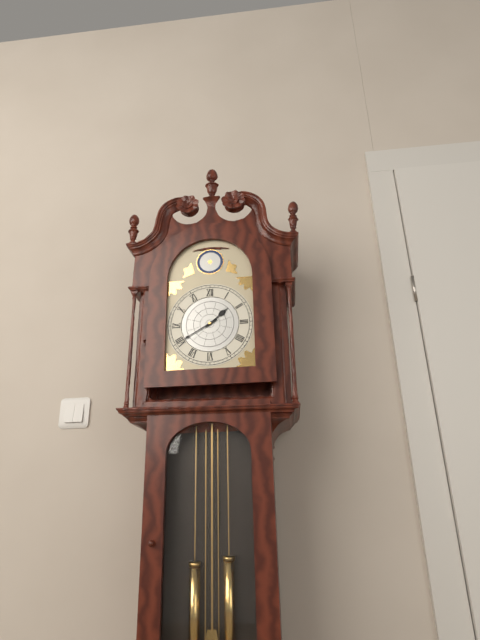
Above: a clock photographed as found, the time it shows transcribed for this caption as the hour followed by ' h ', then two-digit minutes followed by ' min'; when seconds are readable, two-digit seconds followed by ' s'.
1 h 40 min
